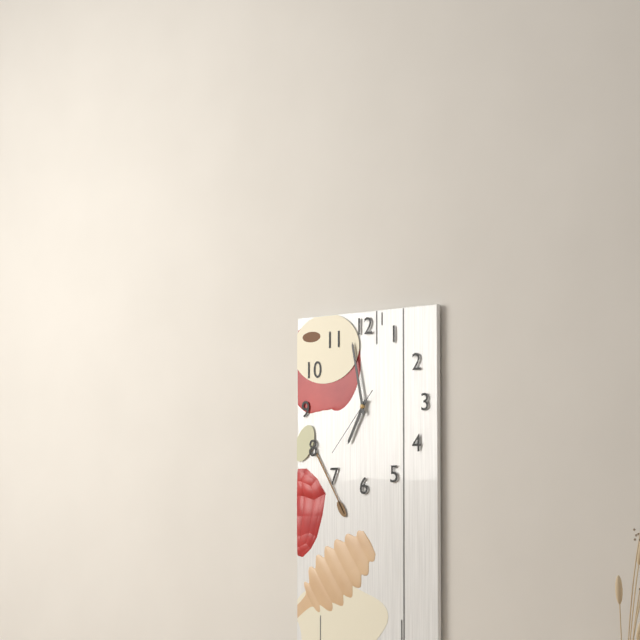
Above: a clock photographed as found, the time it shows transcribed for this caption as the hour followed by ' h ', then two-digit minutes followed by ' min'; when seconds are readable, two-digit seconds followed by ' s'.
6 h 58 min 37 s
